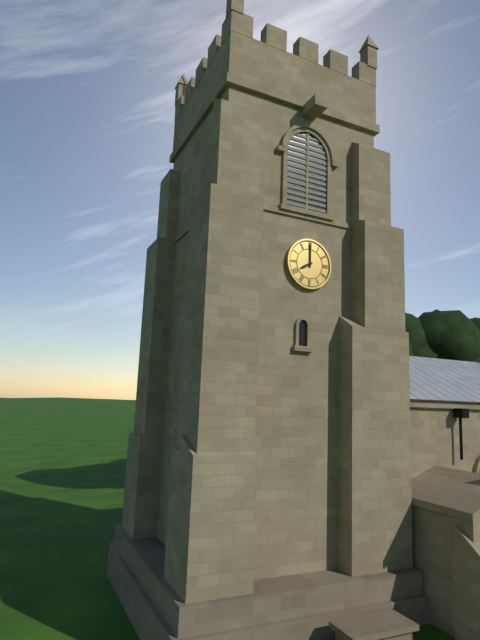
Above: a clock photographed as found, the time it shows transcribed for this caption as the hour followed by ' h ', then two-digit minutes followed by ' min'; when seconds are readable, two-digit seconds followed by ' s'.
8 h 00 min
